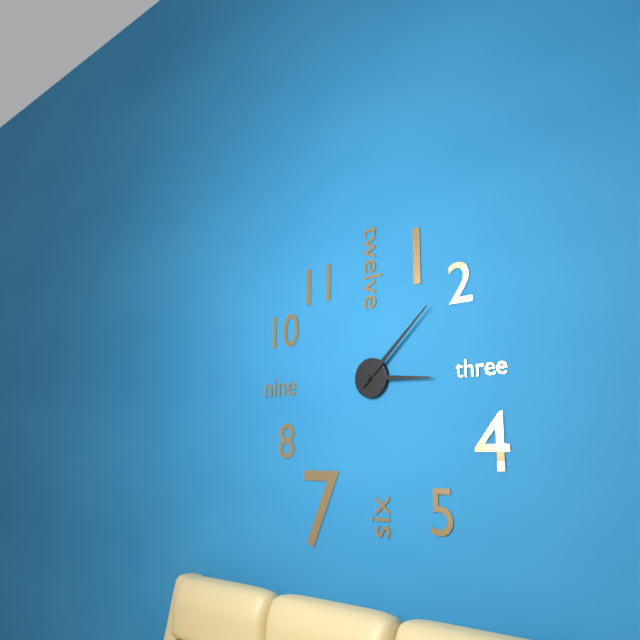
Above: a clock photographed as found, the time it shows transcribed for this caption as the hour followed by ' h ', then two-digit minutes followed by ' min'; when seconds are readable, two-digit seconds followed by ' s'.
3 h 08 min
